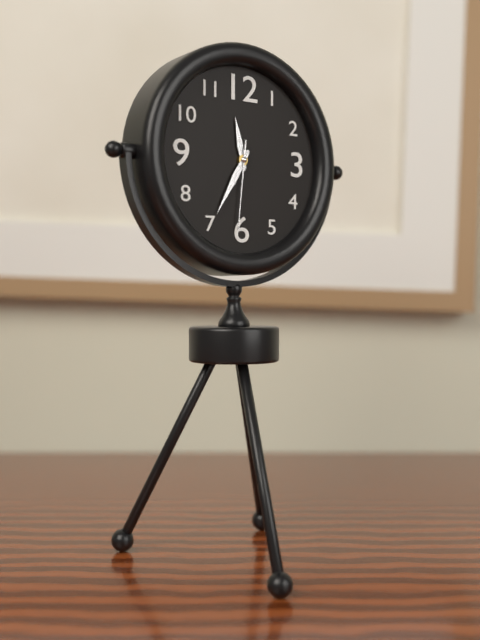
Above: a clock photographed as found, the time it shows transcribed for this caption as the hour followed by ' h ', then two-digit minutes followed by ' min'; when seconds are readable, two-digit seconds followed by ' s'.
11 h 35 min 31 s
